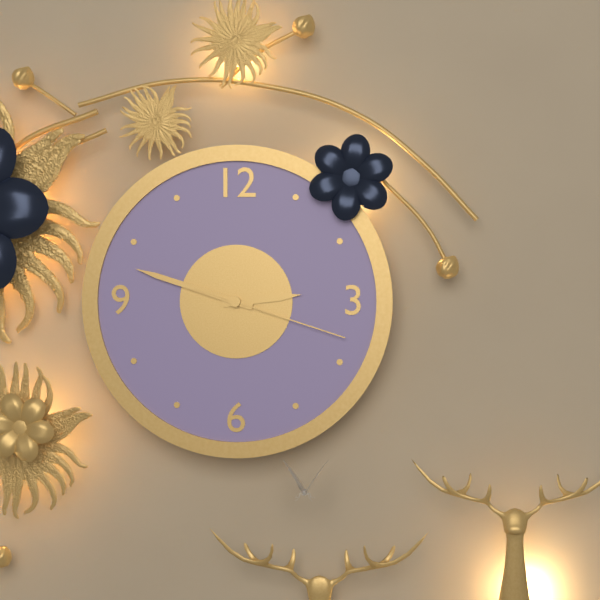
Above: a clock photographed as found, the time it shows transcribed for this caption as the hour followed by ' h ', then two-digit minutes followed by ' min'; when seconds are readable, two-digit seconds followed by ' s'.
2 h 48 min 18 s
